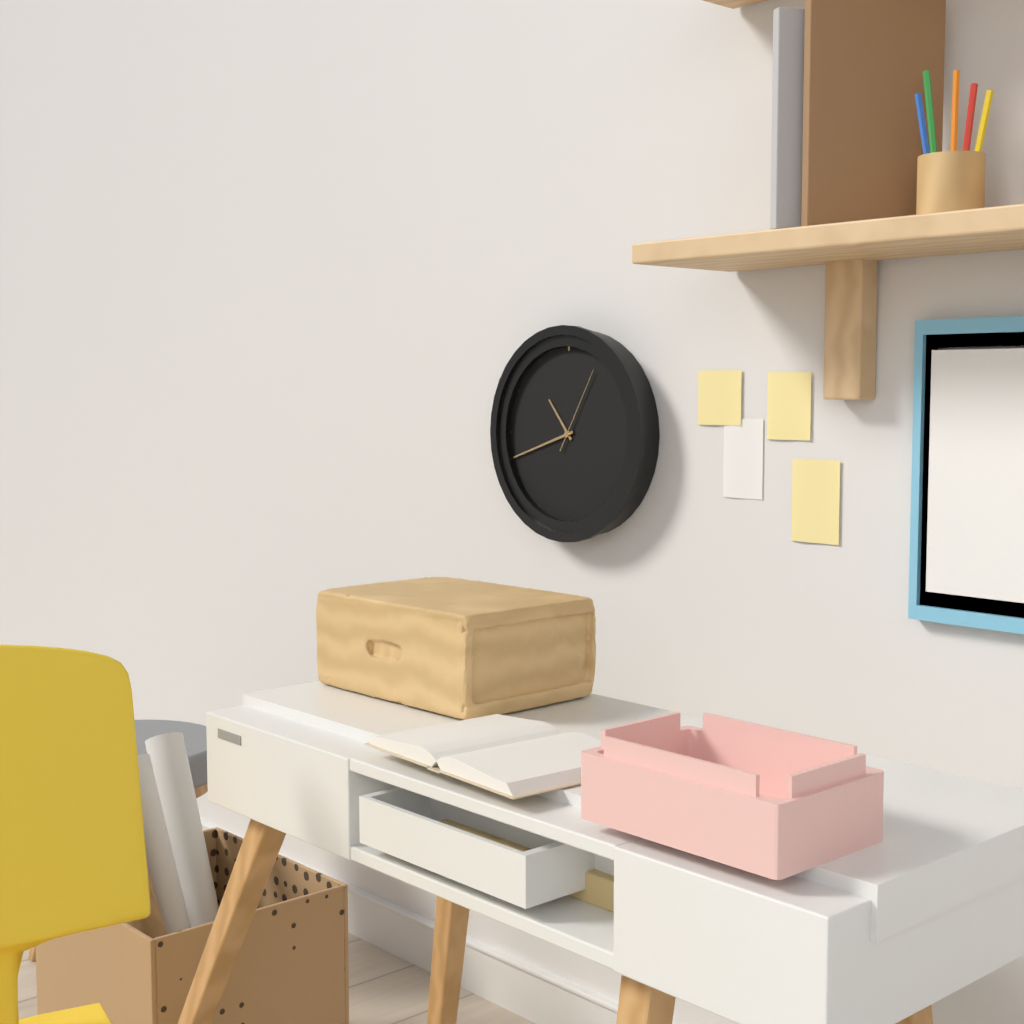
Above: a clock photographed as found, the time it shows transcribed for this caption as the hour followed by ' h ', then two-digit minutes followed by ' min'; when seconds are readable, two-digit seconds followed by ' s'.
10 h 42 min 05 s
